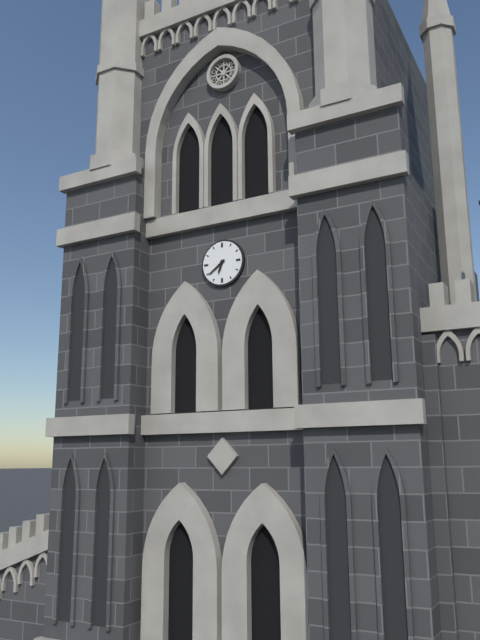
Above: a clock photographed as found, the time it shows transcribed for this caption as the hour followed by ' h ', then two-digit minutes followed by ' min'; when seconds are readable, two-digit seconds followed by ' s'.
6 h 39 min
